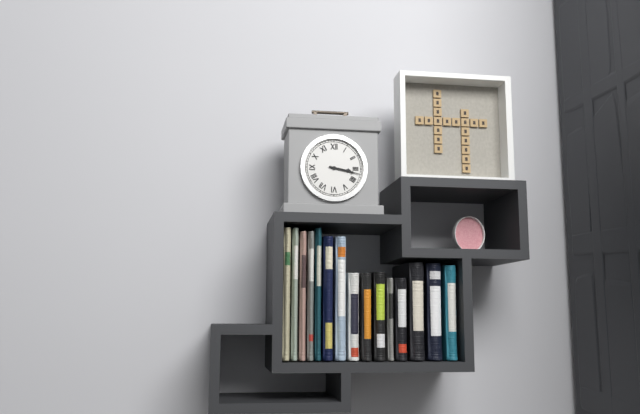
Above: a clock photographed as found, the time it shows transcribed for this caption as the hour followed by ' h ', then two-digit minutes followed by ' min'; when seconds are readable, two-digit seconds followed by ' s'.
3 h 17 min
